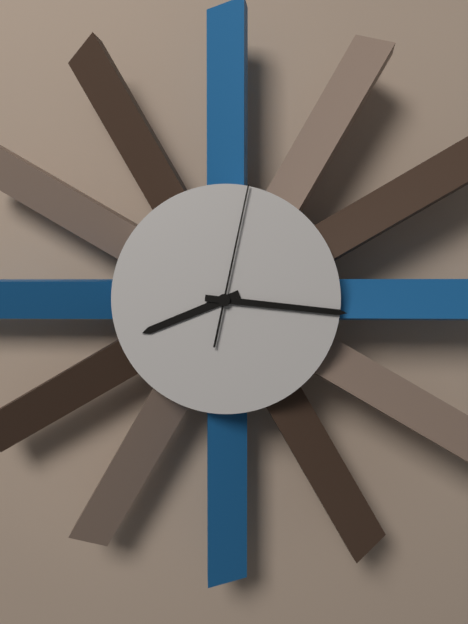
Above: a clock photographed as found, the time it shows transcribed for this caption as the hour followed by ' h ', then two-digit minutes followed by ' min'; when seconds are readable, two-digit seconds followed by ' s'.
8 h 16 min 02 s
